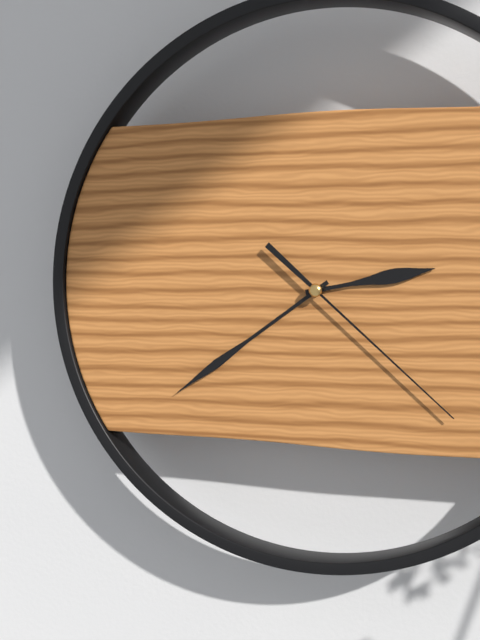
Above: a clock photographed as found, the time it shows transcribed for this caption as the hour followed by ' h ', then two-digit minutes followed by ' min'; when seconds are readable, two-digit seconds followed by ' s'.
2 h 39 min 22 s
